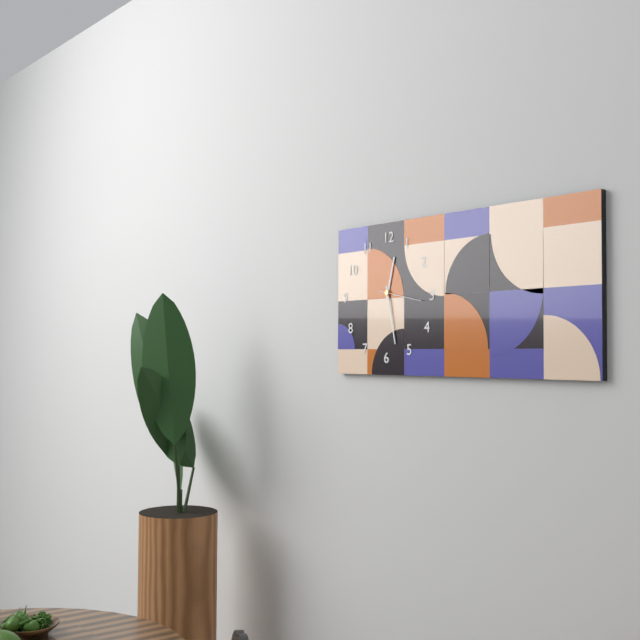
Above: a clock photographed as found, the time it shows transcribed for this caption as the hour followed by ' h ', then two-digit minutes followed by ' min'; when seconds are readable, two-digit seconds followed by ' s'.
12 h 28 min
